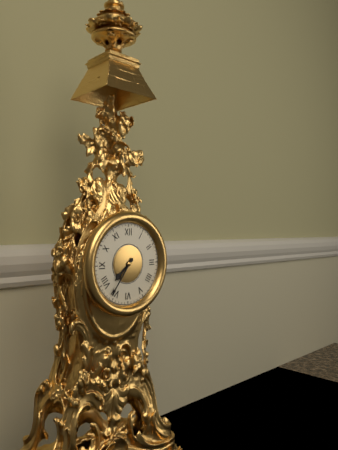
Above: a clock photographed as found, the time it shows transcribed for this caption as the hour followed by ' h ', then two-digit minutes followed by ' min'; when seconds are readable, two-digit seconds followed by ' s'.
7 h 36 min
